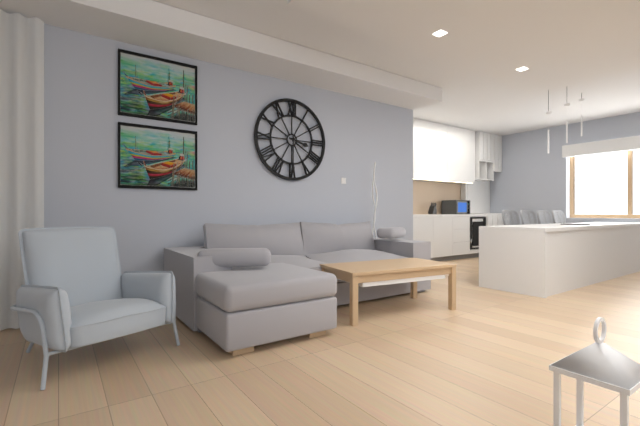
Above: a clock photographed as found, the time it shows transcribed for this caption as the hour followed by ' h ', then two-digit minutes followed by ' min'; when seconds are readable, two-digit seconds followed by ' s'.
3 h 30 min
